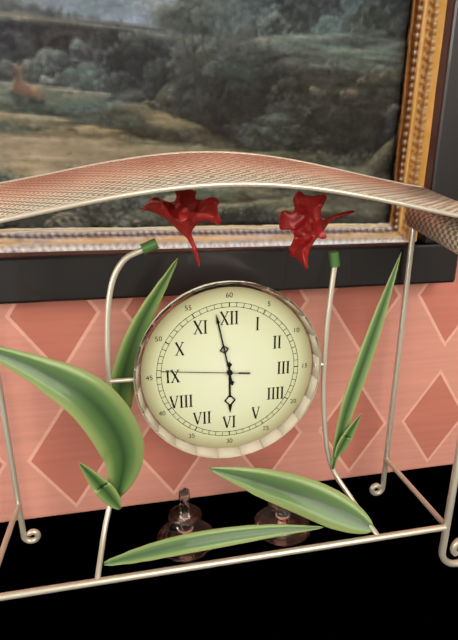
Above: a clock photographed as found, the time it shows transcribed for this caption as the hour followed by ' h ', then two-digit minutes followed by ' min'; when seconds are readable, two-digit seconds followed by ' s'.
5 h 58 min 46 s
